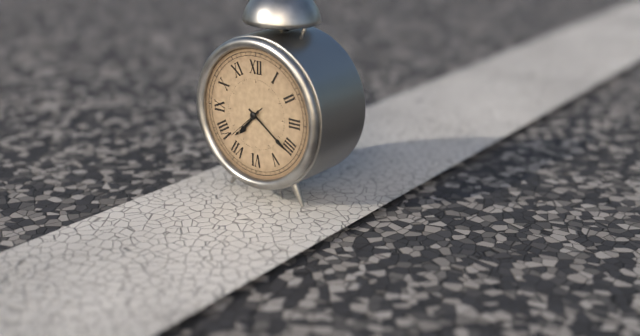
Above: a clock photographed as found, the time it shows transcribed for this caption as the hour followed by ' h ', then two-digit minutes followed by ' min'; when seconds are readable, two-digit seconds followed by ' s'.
7 h 21 min
